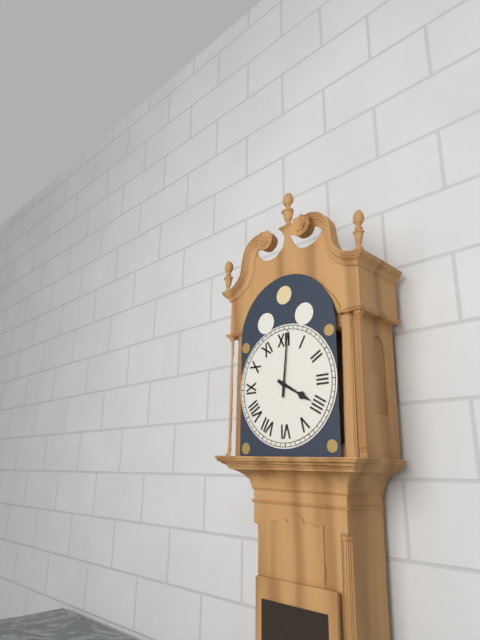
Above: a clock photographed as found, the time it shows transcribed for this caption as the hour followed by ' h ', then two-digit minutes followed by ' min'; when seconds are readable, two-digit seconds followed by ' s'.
4 h 01 min
